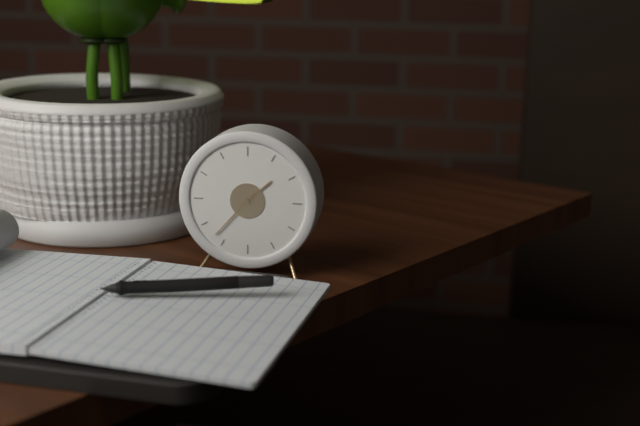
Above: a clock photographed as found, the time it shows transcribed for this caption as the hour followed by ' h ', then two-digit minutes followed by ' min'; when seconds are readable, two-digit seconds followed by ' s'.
1 h 37 min
